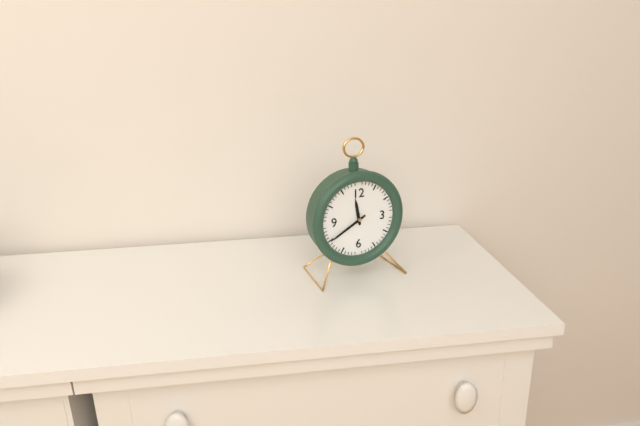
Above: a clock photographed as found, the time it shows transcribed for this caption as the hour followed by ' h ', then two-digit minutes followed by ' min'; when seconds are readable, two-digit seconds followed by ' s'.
11 h 40 min
